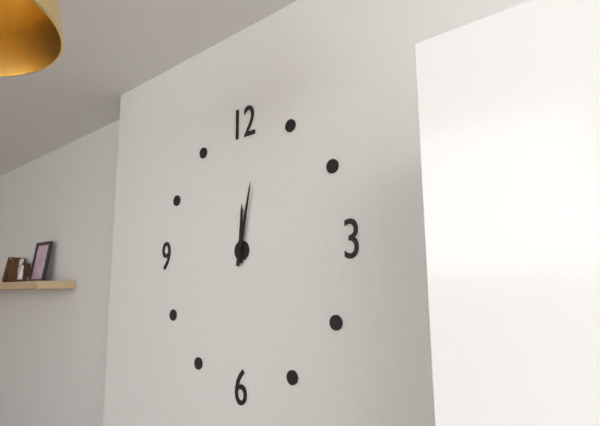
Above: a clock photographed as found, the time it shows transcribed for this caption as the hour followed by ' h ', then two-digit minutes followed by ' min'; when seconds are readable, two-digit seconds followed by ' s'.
12 h 02 min
